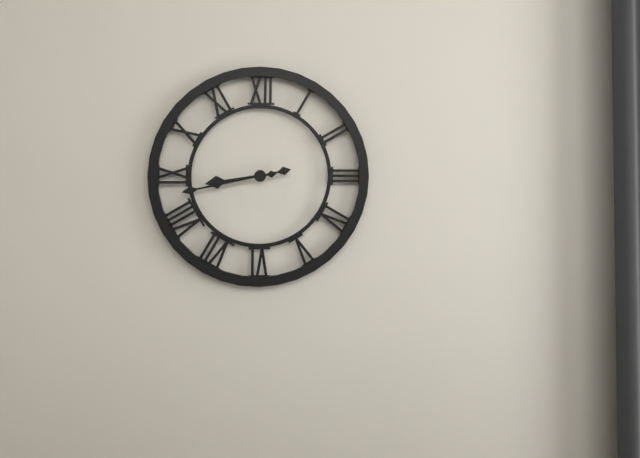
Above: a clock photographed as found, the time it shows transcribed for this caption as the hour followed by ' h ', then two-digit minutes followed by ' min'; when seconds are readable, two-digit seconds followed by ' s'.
8 h 43 min
